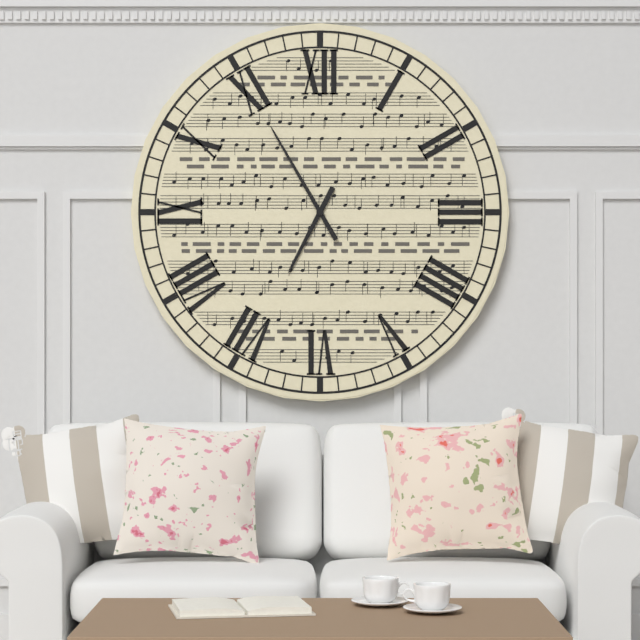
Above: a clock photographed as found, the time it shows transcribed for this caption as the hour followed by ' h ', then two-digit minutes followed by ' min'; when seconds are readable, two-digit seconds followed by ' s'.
6 h 55 min
